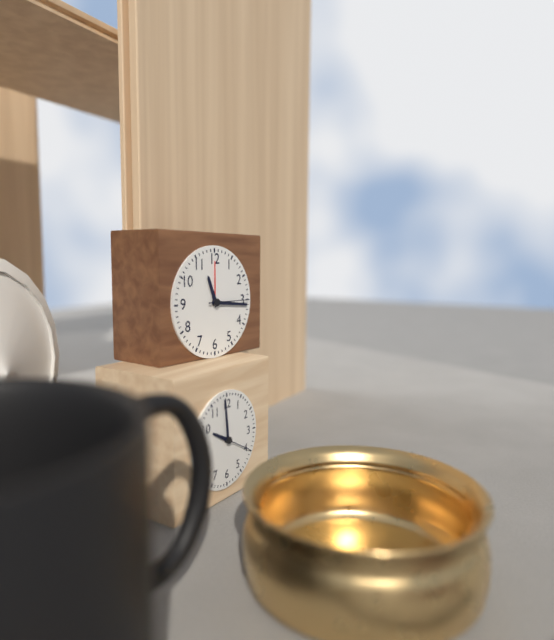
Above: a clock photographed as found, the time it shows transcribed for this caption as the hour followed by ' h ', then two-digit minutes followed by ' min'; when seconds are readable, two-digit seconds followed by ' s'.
11 h 16 min
